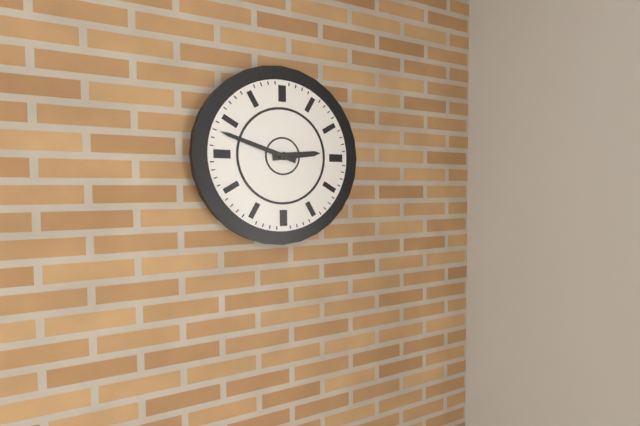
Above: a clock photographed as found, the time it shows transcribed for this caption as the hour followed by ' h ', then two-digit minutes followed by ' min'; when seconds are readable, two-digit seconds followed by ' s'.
2 h 48 min
